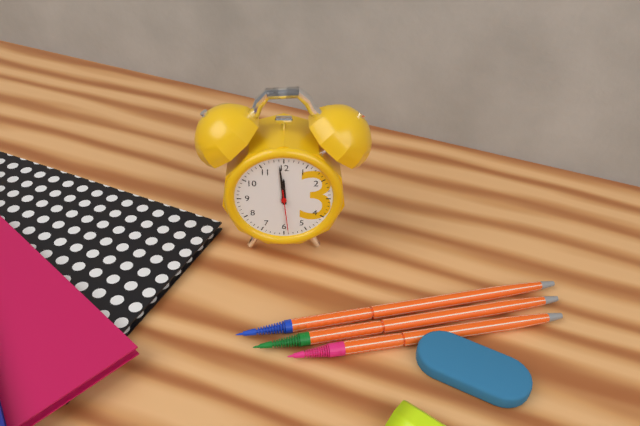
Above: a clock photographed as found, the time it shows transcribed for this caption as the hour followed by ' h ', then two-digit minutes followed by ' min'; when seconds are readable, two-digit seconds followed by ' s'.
11 h 59 min
